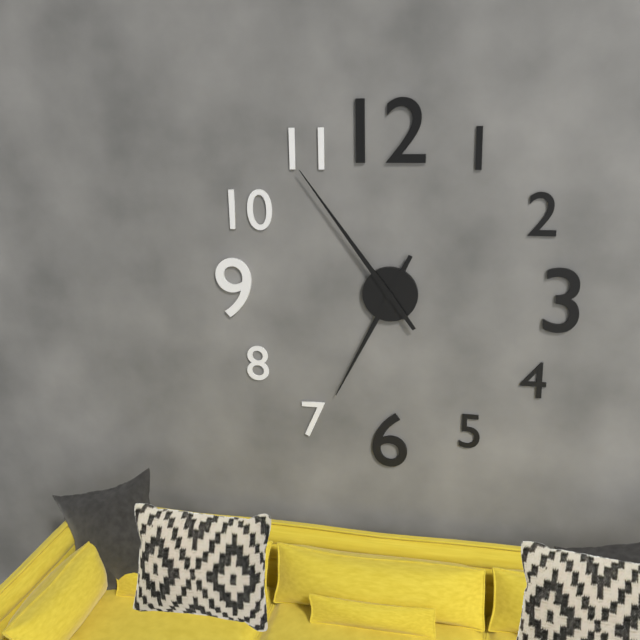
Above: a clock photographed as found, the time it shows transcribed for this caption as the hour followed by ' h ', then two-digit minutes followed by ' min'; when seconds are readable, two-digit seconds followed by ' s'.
6 h 54 min
